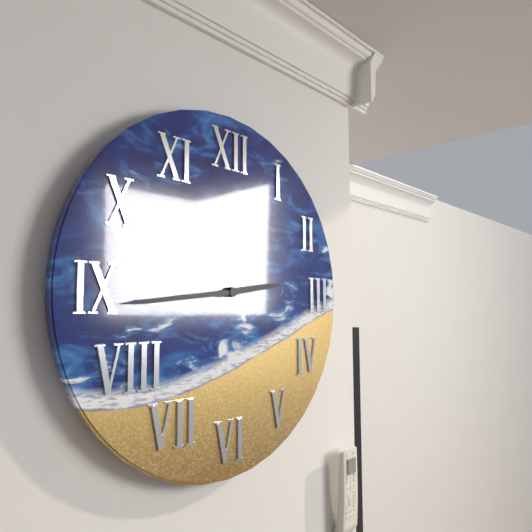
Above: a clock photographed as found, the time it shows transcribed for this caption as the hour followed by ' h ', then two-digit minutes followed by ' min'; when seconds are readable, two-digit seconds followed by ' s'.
2 h 44 min
